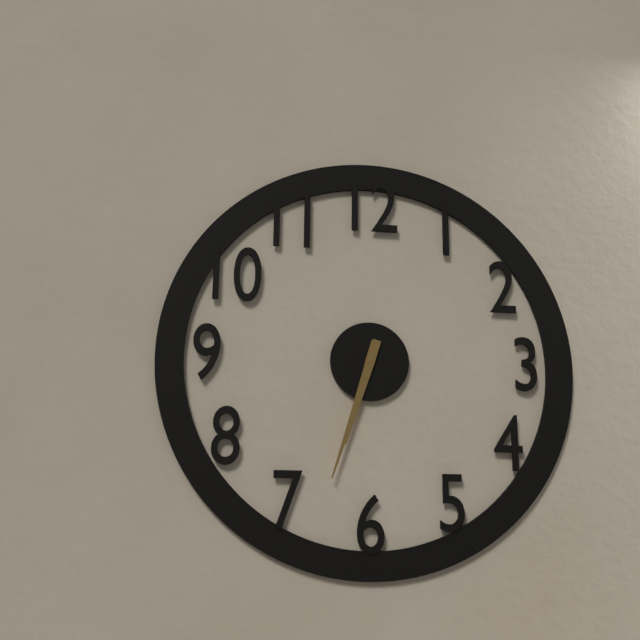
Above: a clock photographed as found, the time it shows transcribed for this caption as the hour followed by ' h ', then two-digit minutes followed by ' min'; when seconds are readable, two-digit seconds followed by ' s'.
6 h 33 min
